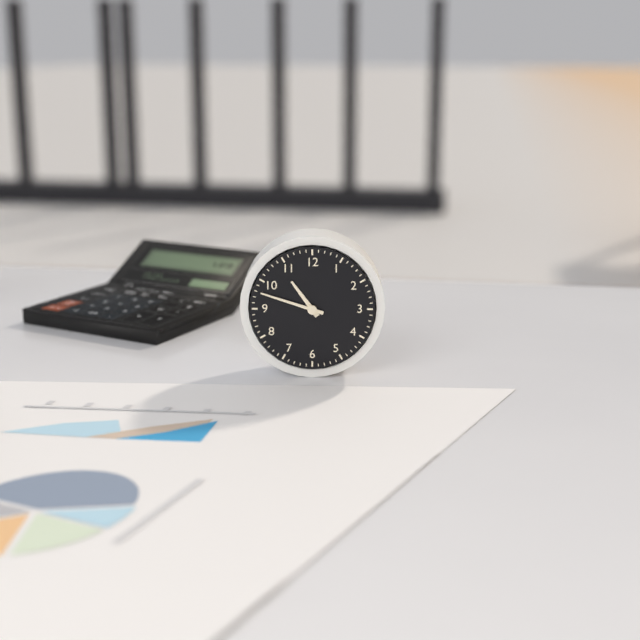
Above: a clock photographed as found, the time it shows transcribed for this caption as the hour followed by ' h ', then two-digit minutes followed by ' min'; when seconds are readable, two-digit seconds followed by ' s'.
10 h 48 min
